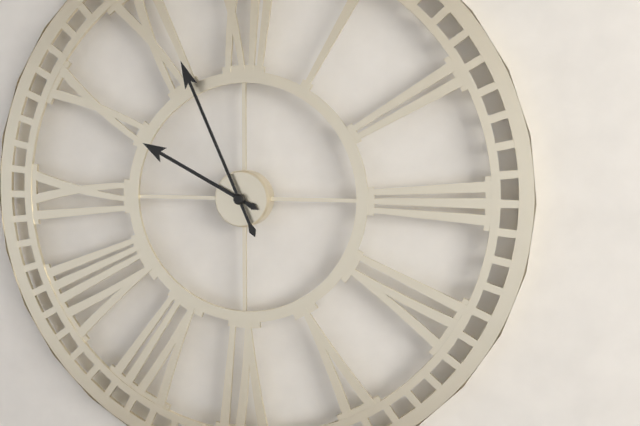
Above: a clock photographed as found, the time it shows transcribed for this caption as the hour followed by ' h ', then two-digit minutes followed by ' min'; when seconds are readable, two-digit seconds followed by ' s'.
9 h 56 min
